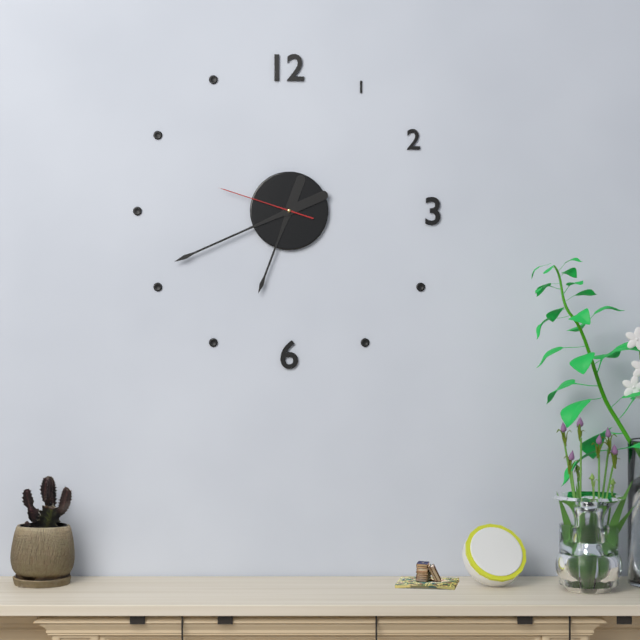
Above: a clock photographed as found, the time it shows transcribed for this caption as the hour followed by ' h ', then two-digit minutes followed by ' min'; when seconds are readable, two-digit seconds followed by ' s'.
6 h 41 min 48 s
